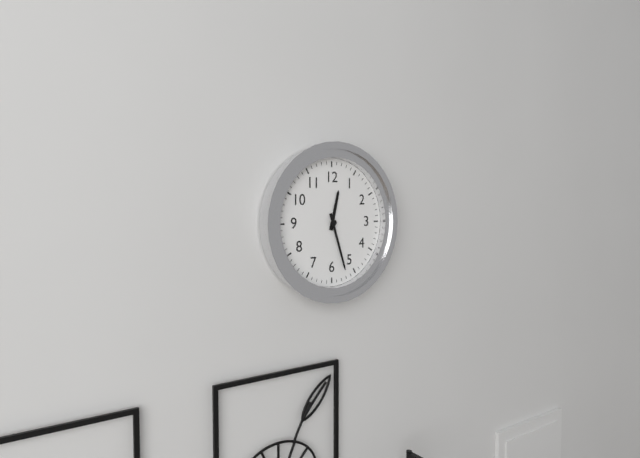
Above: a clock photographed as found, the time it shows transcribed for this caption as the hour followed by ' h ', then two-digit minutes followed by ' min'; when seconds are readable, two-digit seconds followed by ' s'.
12 h 27 min
